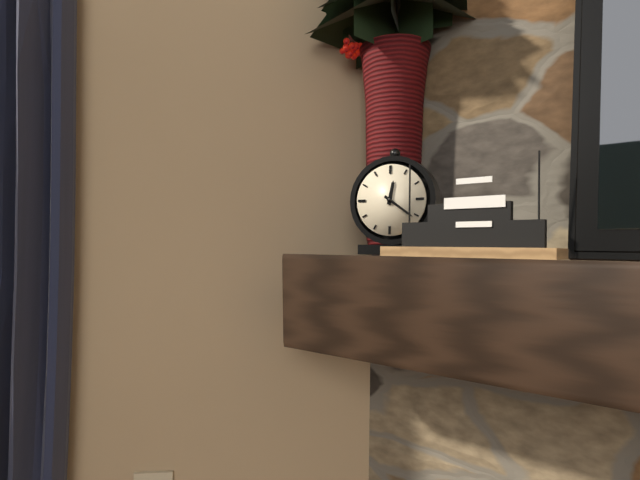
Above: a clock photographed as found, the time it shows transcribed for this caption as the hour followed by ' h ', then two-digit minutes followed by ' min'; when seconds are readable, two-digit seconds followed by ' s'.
12 h 21 min
